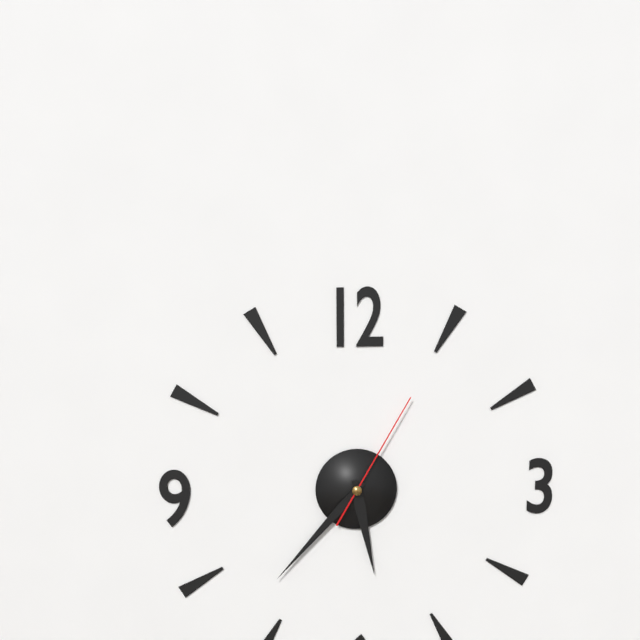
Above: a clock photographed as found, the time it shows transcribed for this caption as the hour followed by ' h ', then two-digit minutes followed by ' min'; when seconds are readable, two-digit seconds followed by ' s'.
5 h 37 min 05 s
